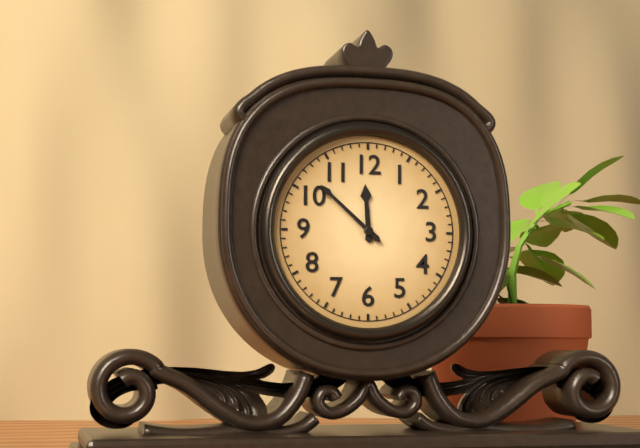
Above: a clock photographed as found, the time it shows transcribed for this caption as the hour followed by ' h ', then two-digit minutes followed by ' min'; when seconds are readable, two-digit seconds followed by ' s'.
11 h 52 min
